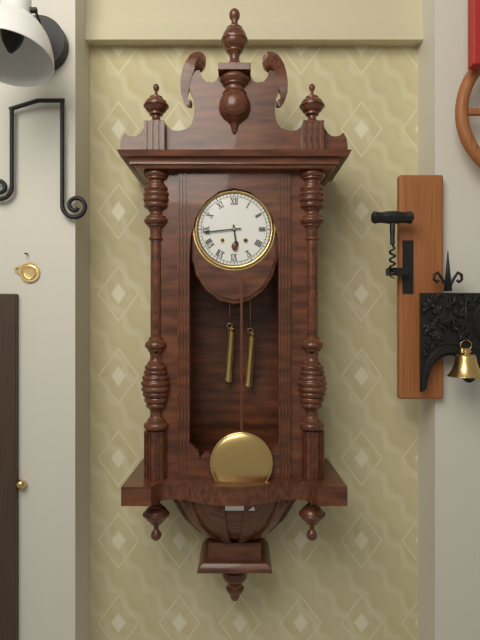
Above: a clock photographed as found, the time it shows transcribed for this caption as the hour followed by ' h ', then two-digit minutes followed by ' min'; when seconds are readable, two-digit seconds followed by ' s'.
5 h 44 min
